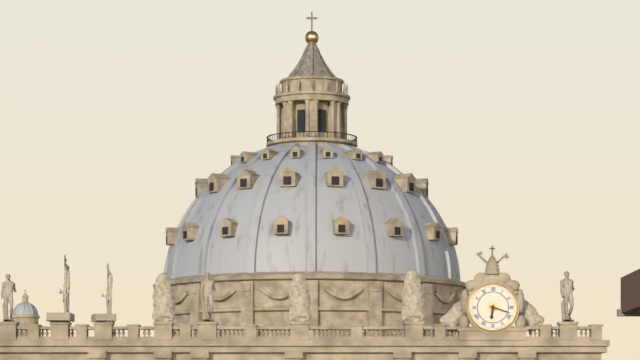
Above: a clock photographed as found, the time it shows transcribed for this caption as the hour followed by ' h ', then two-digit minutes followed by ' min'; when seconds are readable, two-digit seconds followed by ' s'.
6 h 18 min
